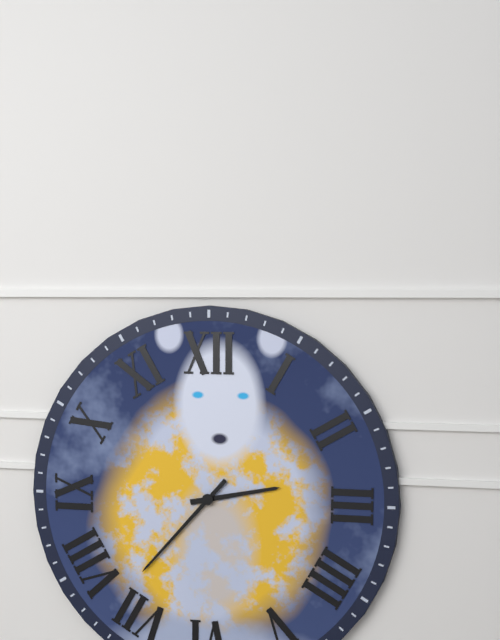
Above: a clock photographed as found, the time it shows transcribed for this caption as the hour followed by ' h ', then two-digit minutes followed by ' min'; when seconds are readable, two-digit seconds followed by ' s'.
2 h 37 min
